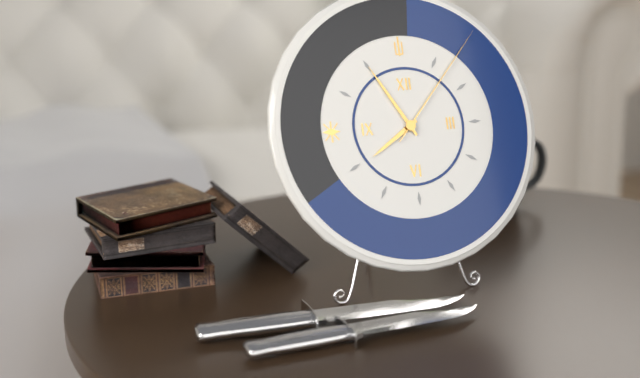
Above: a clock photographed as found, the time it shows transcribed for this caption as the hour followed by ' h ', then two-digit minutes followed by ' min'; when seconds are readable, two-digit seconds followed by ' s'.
7 h 55 min 07 s
